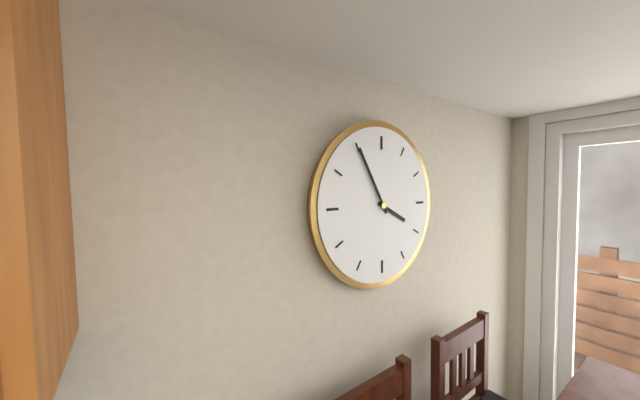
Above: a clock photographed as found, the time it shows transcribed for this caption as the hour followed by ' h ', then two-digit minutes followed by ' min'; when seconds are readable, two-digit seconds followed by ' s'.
3 h 55 min
